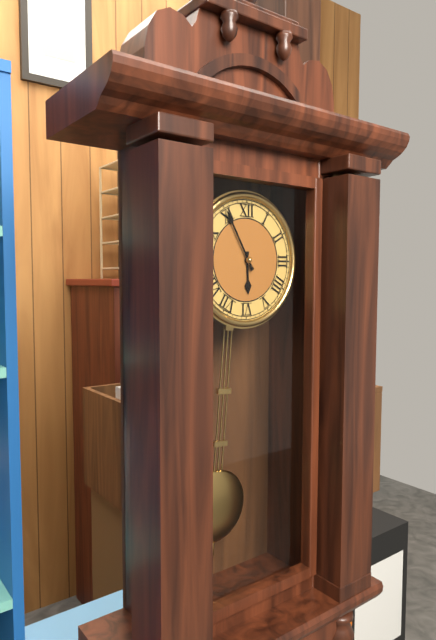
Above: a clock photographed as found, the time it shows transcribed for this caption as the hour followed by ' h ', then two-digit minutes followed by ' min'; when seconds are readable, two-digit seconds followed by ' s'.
5 h 55 min
